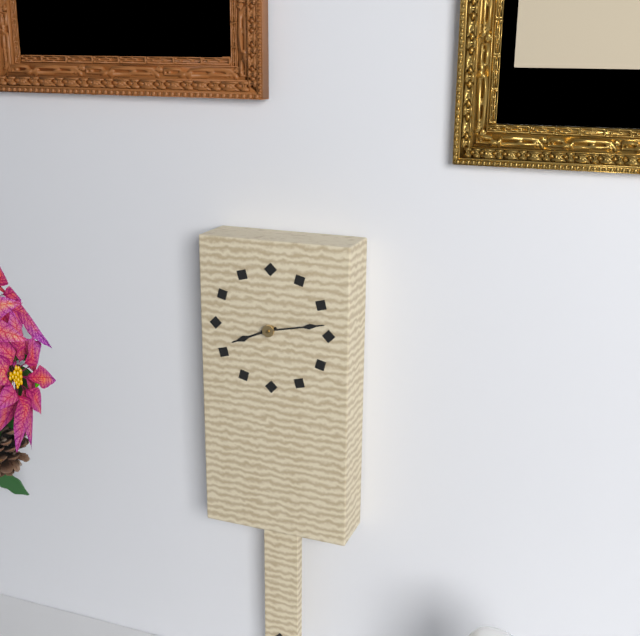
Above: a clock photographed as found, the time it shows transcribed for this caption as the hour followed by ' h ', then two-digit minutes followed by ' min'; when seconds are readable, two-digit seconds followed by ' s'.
8 h 13 min
